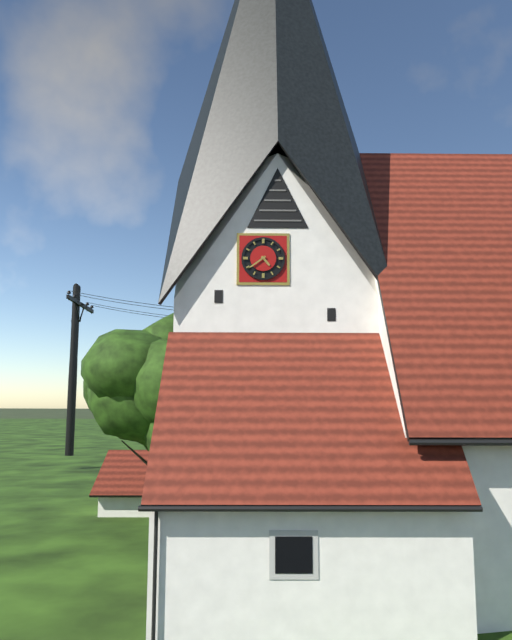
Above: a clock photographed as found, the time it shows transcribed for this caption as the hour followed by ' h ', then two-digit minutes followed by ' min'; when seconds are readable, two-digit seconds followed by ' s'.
4 h 39 min
